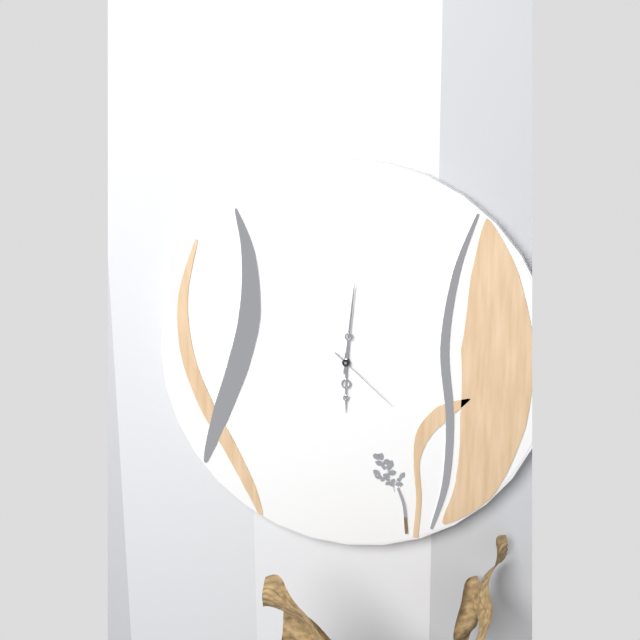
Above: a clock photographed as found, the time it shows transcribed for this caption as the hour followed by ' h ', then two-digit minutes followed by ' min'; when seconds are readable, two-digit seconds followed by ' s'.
6 h 01 min 22 s
